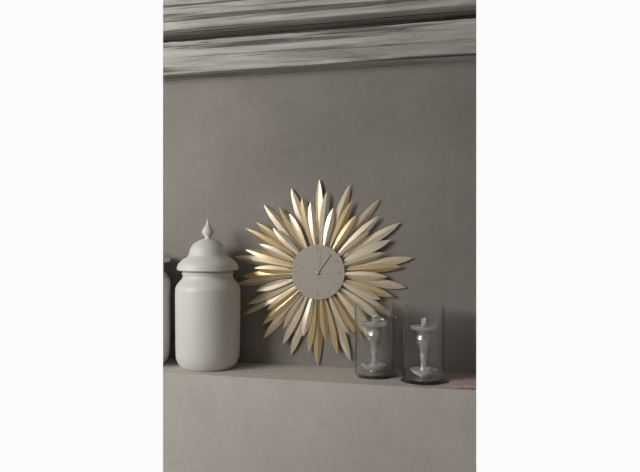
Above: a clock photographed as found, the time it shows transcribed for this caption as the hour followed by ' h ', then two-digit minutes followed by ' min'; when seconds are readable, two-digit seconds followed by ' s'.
3 h 06 min
